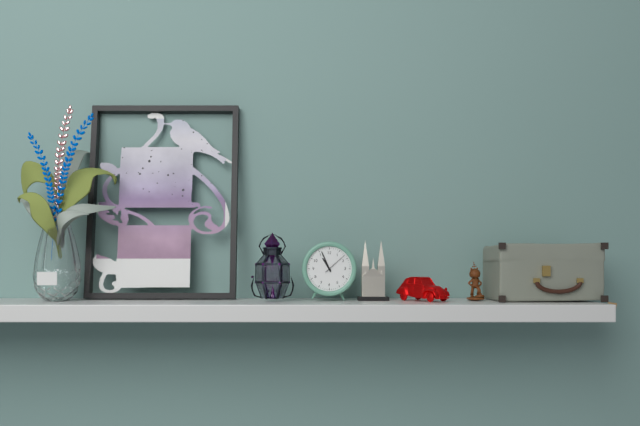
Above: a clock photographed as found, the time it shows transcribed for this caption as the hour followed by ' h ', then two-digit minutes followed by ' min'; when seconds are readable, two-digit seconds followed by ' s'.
10 h 56 min
